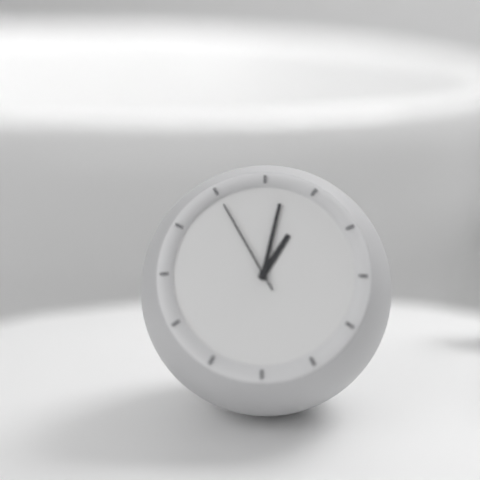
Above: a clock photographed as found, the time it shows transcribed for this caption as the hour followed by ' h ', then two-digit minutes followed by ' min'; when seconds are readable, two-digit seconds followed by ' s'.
1 h 02 min 55 s
